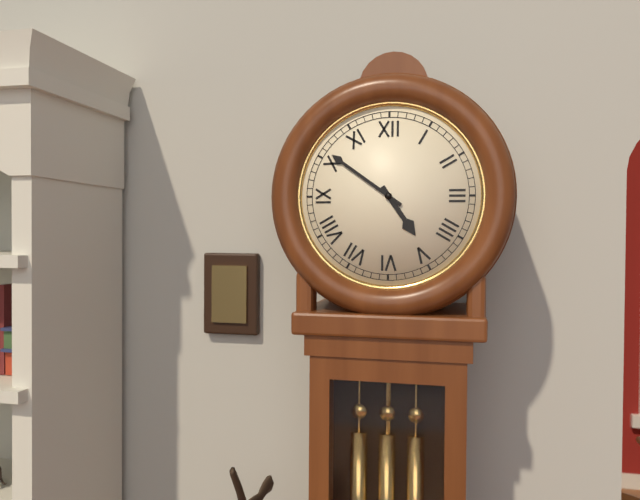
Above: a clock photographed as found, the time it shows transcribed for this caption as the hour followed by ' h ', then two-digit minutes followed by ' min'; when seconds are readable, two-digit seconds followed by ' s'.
4 h 51 min
